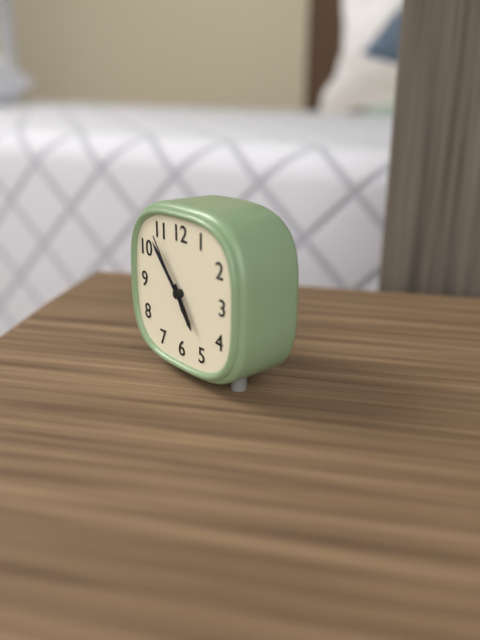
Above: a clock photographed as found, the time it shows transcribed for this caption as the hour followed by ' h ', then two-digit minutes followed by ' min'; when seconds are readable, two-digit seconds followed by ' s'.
4 h 53 min 54 s
